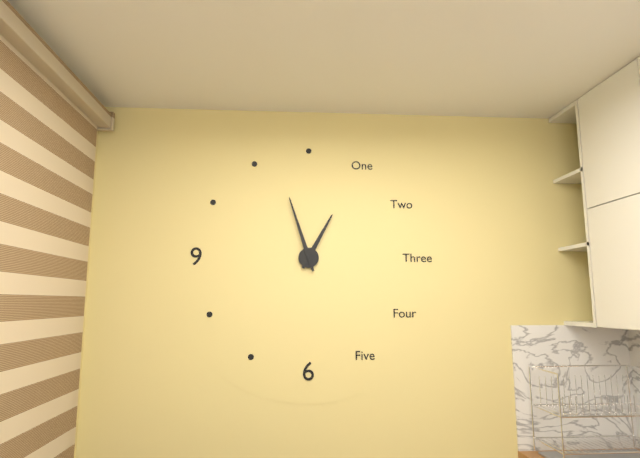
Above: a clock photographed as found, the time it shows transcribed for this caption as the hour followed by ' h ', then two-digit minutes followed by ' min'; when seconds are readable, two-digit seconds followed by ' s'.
12 h 57 min
